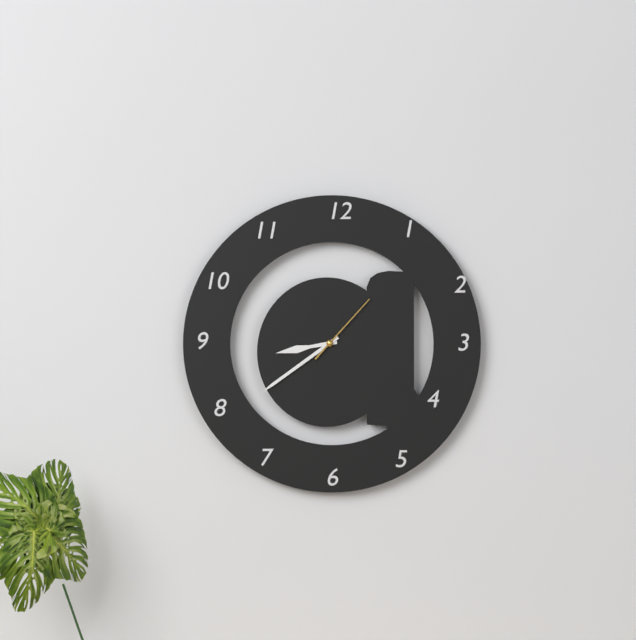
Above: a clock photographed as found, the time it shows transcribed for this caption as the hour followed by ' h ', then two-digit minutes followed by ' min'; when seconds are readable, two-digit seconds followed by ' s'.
8 h 39 min 07 s
